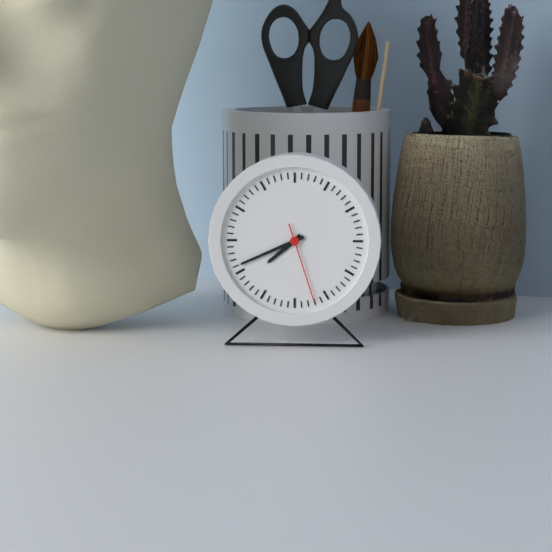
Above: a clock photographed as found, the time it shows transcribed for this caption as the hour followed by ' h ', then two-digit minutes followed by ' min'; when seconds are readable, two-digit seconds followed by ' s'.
7 h 41 min 27 s
